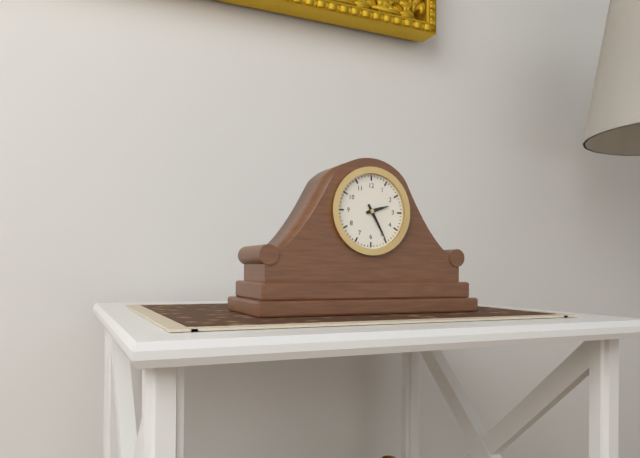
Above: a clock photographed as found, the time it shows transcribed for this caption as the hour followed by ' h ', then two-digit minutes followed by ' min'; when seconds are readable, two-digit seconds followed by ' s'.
2 h 25 min
